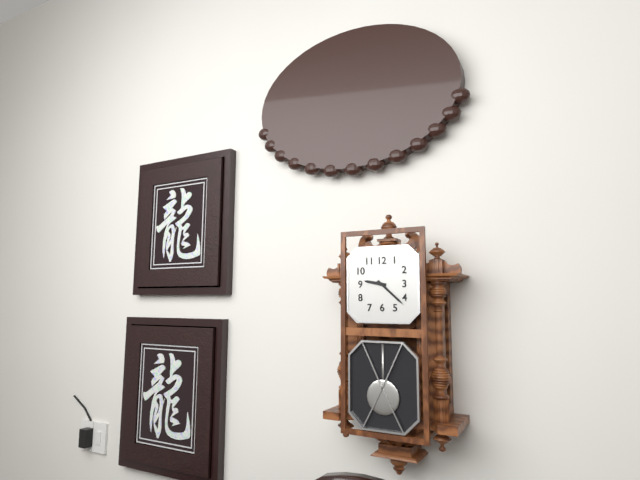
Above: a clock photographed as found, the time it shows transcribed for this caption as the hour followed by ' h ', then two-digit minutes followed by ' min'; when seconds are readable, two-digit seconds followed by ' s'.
9 h 22 min
